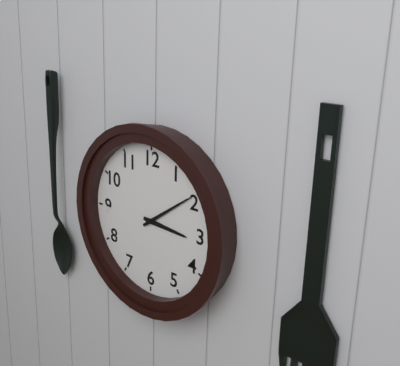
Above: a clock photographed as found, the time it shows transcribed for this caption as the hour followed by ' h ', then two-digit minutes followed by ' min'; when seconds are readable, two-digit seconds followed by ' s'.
3 h 09 min
